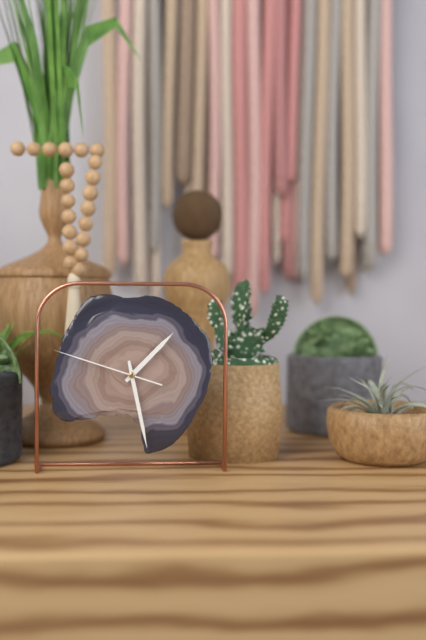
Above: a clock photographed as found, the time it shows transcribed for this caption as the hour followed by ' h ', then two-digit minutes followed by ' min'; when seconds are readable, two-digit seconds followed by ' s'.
1 h 28 min 48 s
